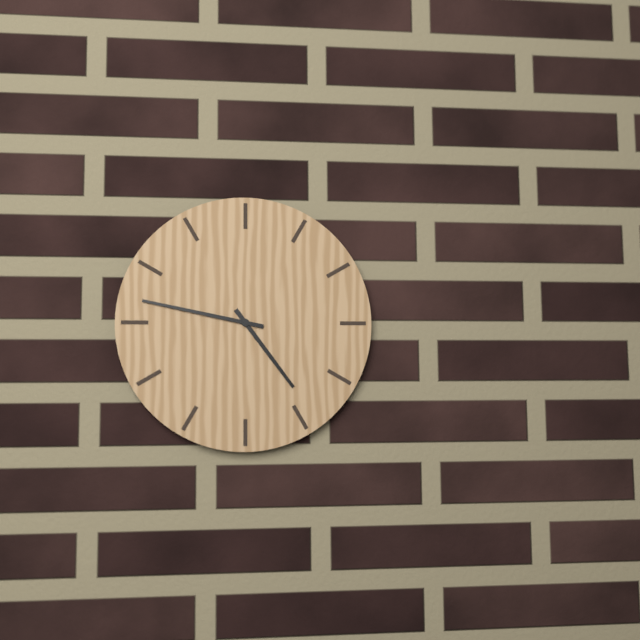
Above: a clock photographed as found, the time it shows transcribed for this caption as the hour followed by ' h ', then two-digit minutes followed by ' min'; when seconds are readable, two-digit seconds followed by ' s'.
4 h 47 min
